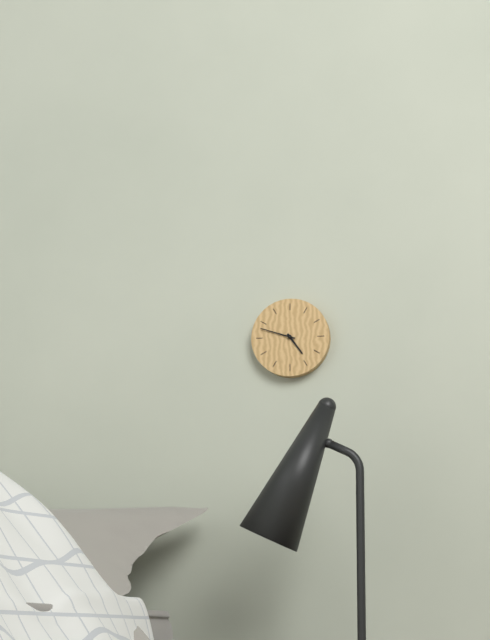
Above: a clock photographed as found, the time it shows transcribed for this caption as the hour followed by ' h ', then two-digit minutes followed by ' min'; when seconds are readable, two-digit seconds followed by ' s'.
4 h 48 min
